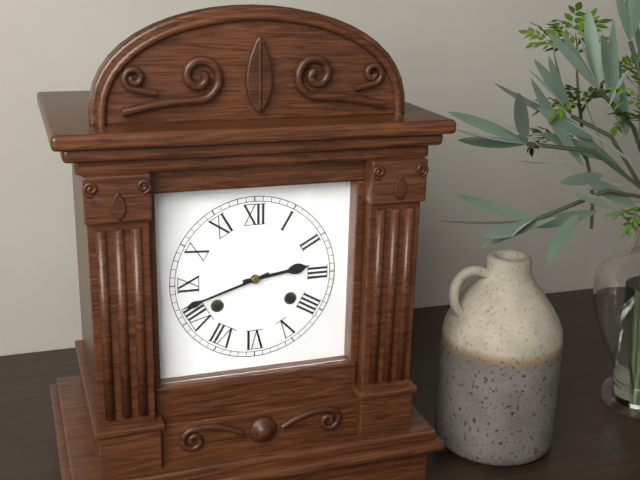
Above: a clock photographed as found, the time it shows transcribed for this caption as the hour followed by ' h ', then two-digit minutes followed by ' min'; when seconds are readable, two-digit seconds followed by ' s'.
2 h 42 min
